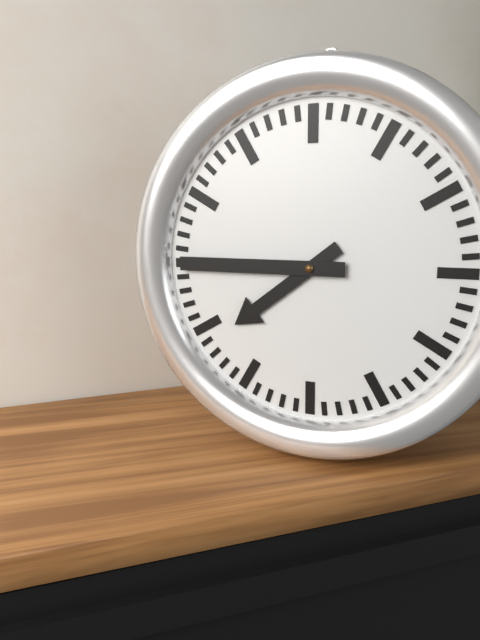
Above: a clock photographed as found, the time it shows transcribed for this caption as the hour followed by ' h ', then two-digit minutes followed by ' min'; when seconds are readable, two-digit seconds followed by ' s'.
7 h 45 min
